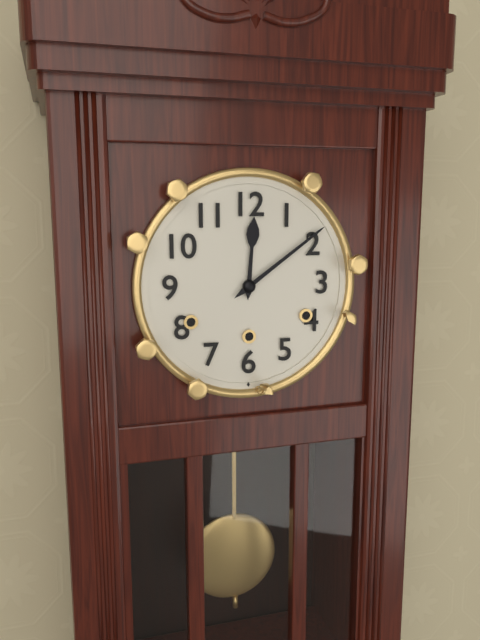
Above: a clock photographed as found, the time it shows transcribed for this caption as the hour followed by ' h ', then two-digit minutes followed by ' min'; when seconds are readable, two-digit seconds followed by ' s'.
12 h 09 min
